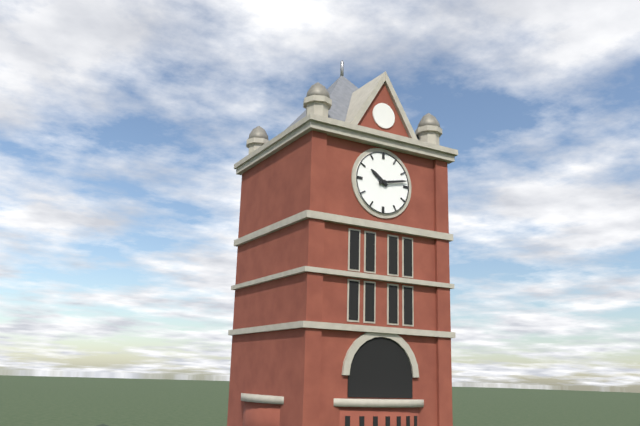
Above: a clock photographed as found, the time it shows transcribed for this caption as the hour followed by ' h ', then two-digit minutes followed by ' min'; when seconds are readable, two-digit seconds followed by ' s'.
10 h 13 min
